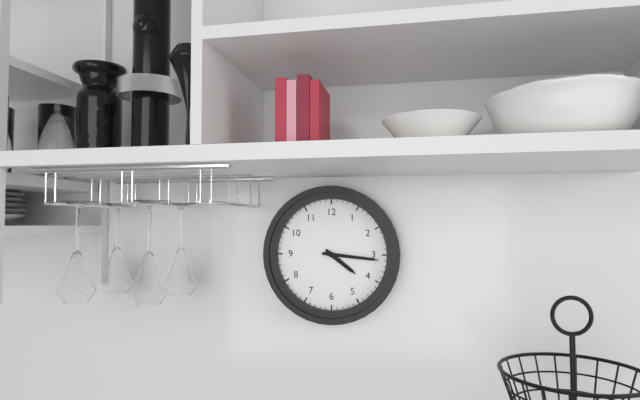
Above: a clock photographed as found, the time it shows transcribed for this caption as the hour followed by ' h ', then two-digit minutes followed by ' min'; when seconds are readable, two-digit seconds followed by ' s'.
4 h 16 min
